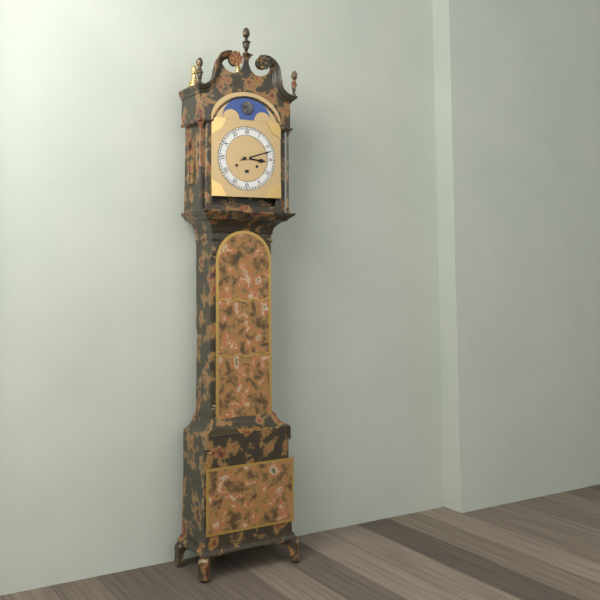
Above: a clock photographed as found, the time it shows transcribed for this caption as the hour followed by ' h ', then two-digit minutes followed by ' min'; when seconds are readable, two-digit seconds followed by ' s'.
3 h 12 min
